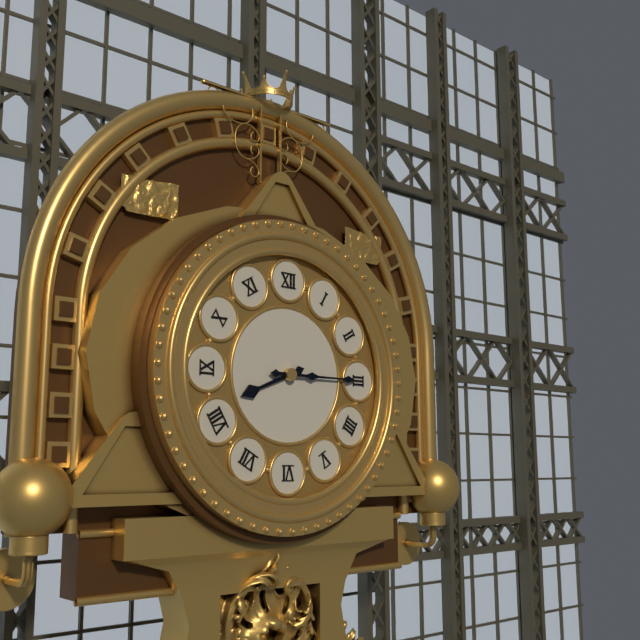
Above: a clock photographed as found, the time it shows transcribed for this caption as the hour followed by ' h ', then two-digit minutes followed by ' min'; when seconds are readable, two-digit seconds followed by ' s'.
8 h 15 min
